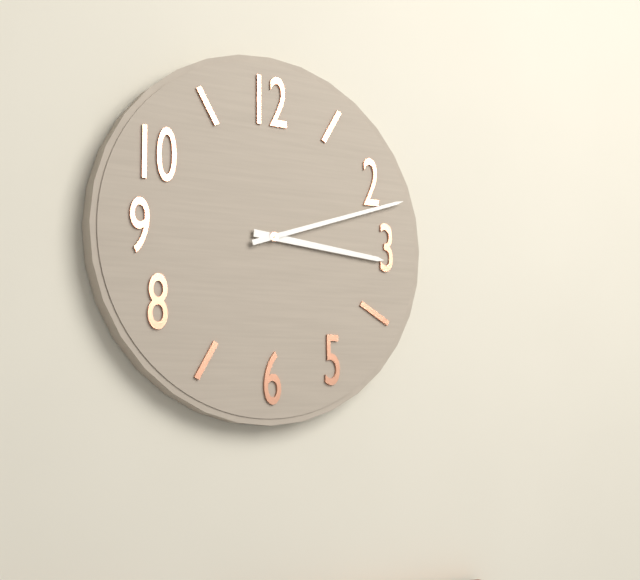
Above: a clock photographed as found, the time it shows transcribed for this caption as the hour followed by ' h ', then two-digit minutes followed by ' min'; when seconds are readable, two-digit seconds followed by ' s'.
3 h 12 min
